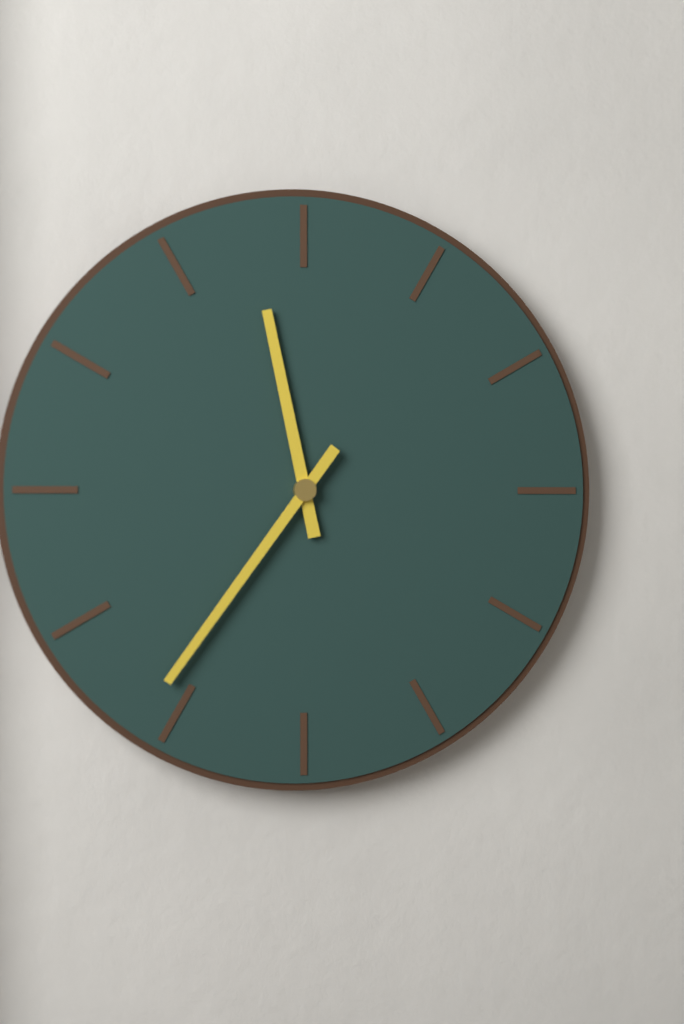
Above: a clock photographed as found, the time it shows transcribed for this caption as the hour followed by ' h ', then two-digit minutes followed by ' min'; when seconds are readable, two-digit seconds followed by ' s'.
11 h 36 min
